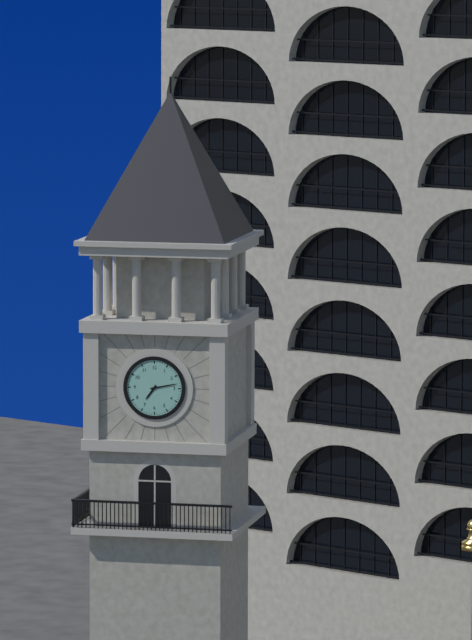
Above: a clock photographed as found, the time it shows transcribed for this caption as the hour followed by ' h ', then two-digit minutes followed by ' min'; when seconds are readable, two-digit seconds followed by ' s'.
7 h 13 min
